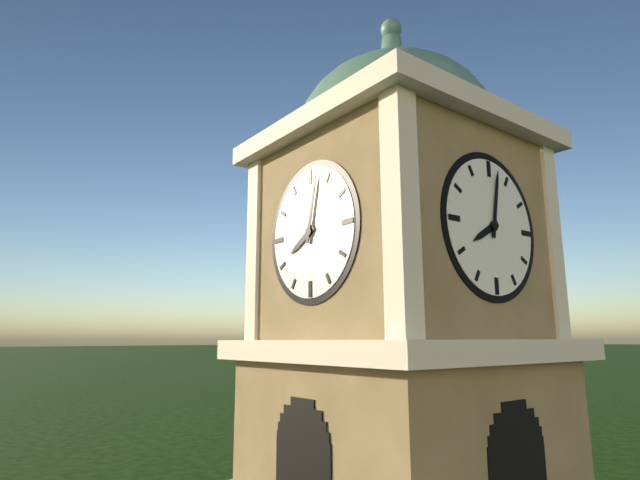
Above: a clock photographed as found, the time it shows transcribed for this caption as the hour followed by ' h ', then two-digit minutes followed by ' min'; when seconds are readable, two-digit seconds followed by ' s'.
8 h 02 min
